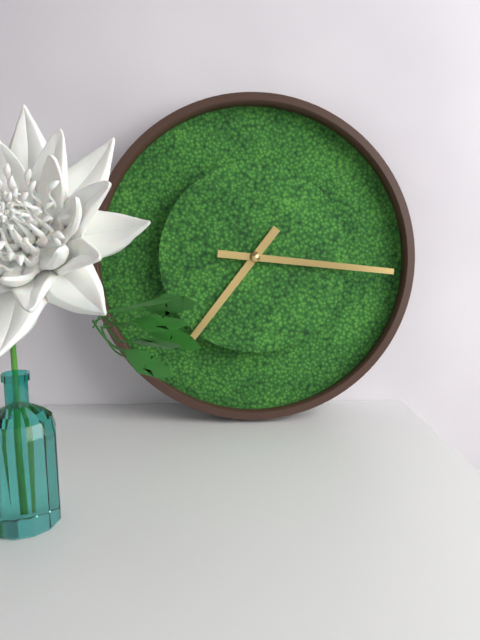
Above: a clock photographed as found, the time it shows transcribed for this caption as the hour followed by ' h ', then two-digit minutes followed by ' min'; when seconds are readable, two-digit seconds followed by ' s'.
7 h 16 min
